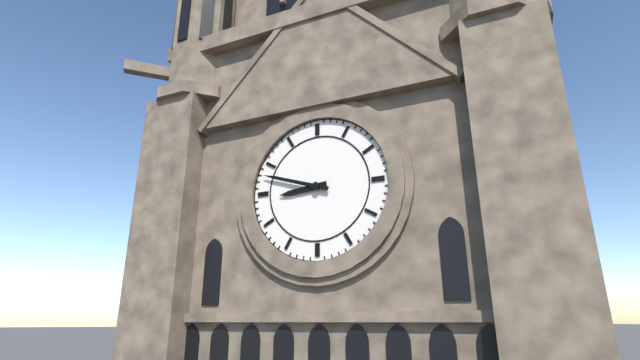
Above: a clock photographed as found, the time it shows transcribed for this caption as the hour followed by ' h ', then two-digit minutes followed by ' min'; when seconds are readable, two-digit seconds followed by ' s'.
8 h 48 min
